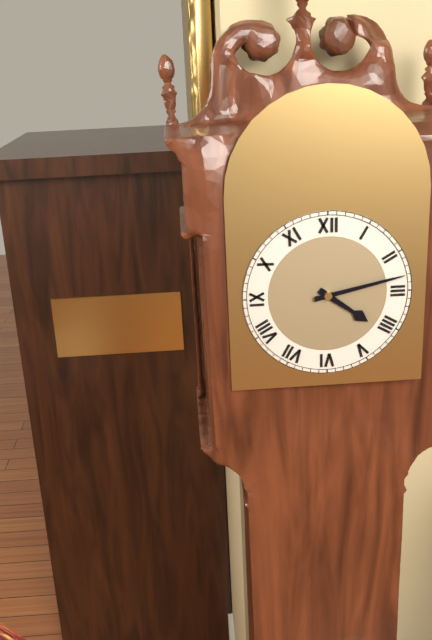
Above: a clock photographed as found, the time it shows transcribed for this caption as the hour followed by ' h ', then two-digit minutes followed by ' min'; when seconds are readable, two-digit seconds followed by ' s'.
4 h 13 min
